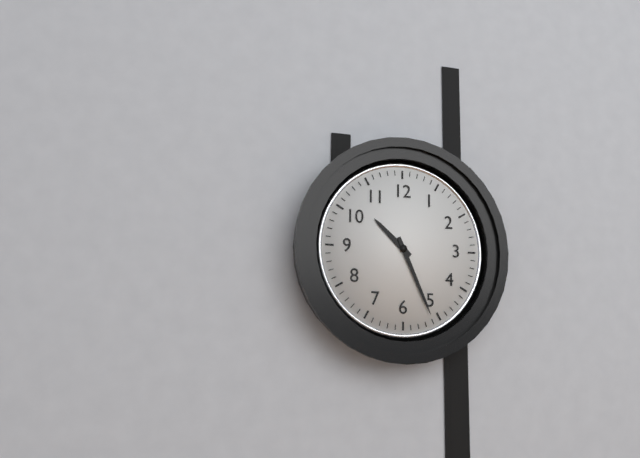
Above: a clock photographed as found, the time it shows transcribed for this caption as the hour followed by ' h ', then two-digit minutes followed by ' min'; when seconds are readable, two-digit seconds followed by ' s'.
10 h 26 min
